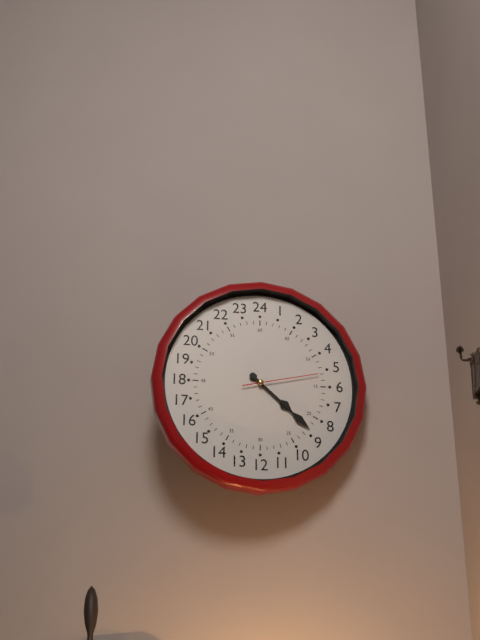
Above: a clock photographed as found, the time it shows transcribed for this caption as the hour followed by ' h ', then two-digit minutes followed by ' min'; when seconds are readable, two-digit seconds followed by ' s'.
4 h 22 min 13 s
